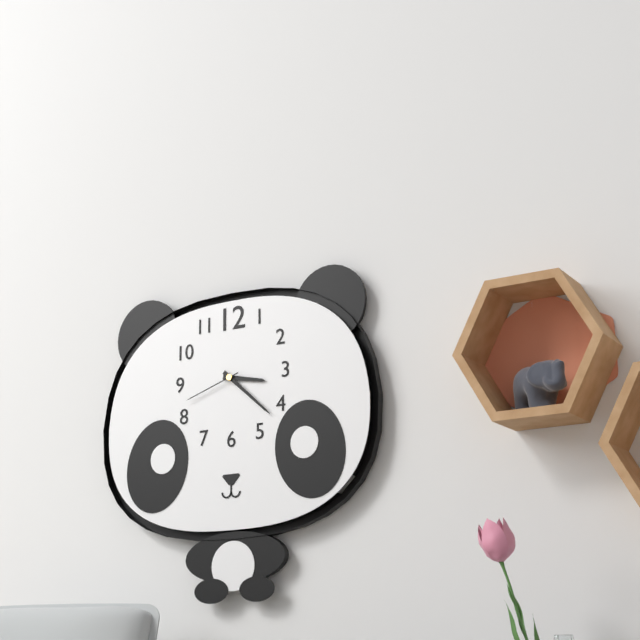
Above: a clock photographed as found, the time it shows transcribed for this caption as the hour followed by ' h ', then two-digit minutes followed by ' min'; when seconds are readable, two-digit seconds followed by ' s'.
3 h 22 min 42 s
